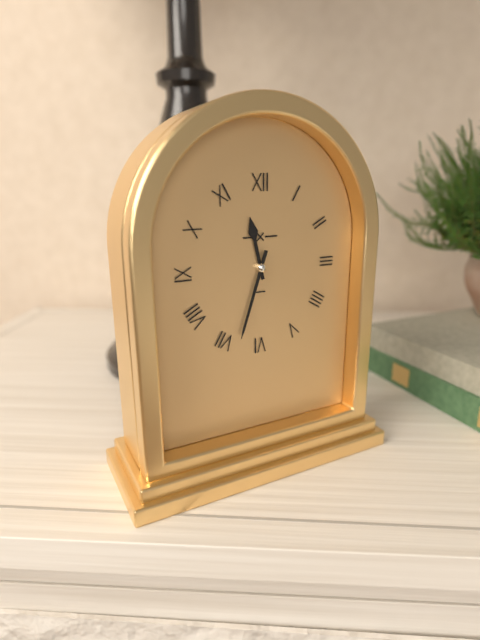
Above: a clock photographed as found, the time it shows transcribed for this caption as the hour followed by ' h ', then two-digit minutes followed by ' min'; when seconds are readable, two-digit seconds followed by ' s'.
11 h 33 min
